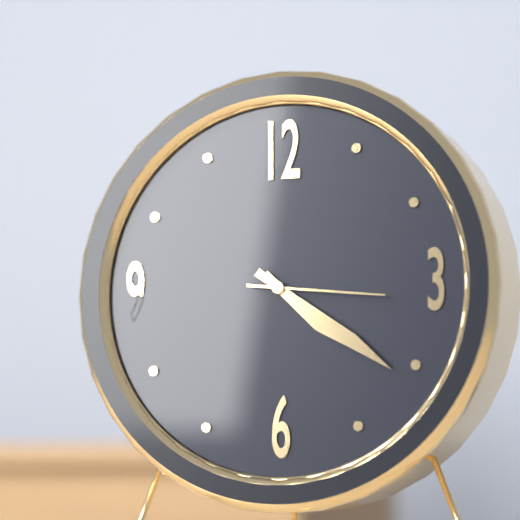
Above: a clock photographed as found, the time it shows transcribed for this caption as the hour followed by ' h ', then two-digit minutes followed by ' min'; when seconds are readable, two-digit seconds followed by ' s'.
4 h 21 min 16 s
